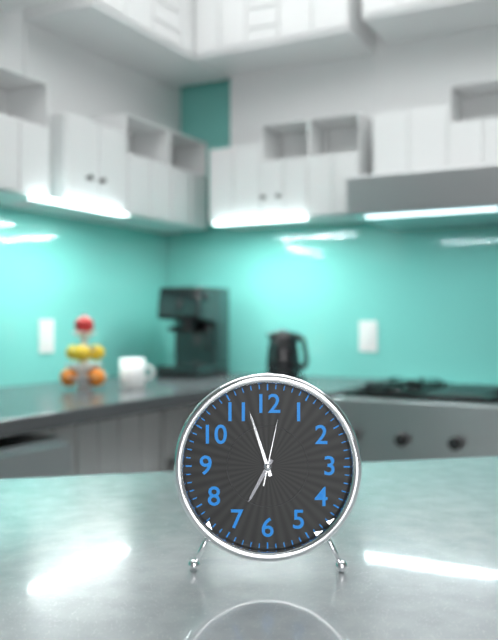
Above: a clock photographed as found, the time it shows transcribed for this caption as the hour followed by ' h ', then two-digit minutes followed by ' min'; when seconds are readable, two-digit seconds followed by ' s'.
6 h 57 min 02 s
